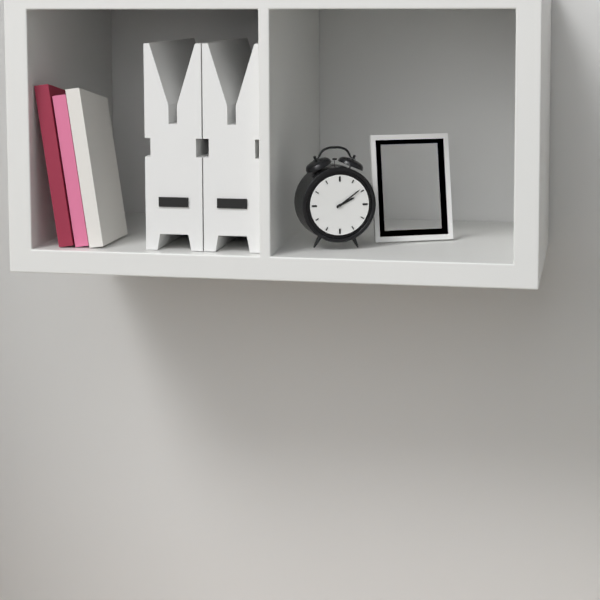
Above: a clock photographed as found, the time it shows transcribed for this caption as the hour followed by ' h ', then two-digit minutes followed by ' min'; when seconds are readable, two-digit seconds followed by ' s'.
2 h 09 min
